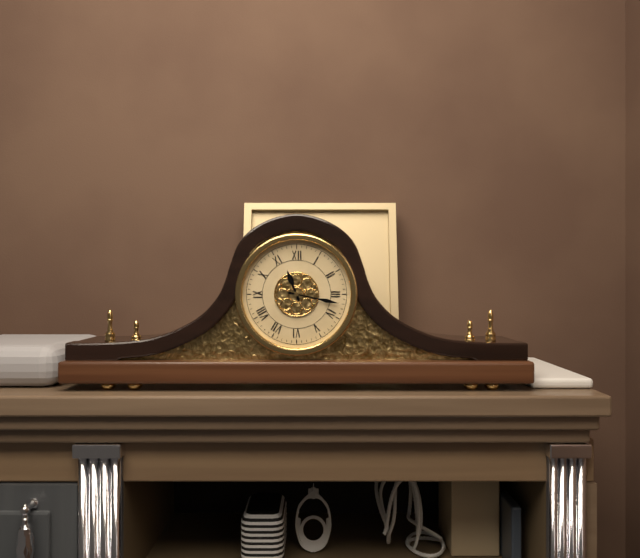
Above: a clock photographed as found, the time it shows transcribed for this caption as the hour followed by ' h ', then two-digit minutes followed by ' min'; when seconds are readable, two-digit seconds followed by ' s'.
11 h 17 min
